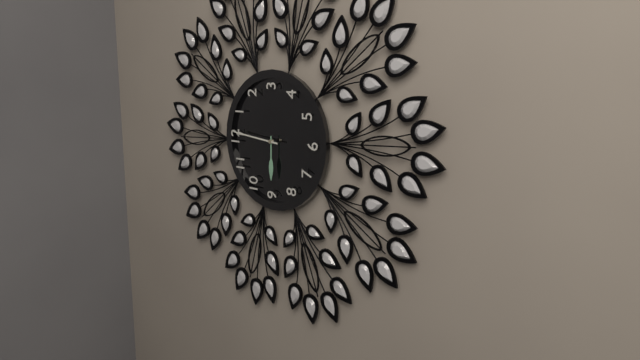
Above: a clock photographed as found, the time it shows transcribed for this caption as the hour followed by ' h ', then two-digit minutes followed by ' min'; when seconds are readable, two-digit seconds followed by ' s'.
9 h 01 min
